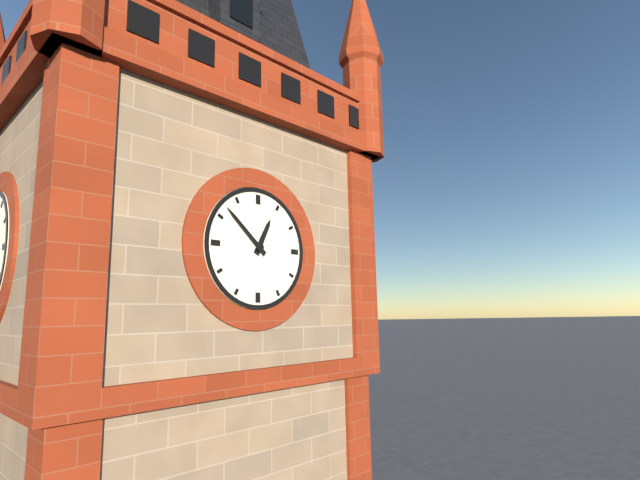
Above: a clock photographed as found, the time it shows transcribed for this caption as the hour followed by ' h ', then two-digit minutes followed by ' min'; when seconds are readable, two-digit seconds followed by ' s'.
12 h 52 min
